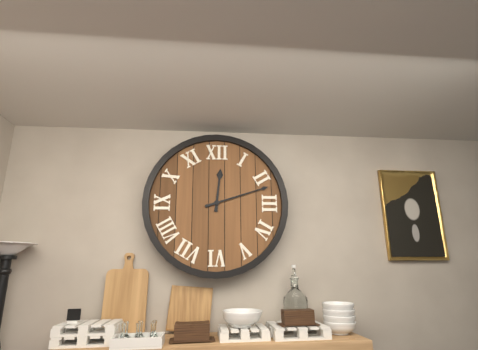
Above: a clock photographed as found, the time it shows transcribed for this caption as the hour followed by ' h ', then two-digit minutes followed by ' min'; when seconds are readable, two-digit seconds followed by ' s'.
12 h 12 min
